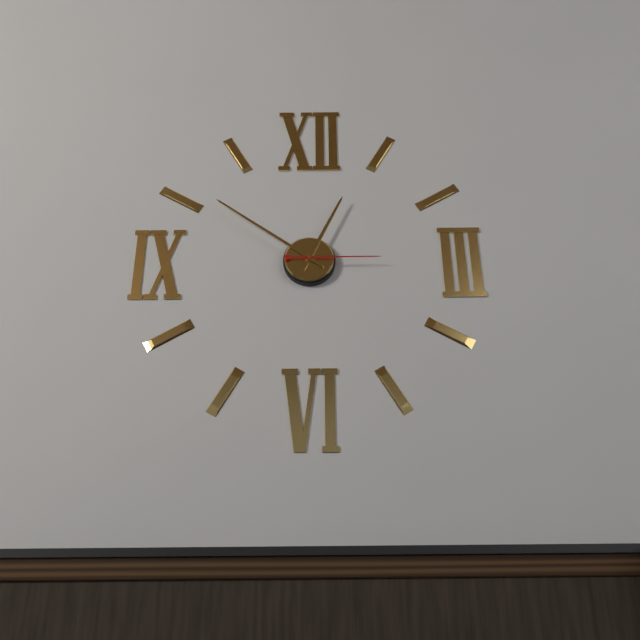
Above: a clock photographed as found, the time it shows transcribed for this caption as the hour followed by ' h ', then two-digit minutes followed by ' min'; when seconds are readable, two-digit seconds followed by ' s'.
12 h 51 min 15 s
